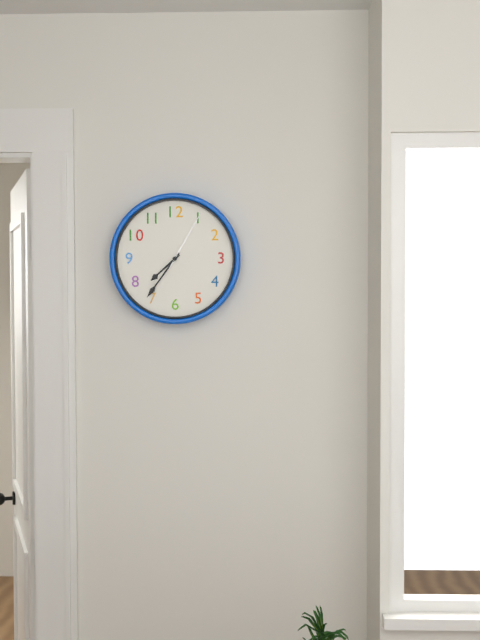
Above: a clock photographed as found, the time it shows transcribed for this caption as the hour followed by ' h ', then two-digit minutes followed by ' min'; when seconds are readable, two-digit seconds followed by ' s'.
7 h 36 min 05 s
